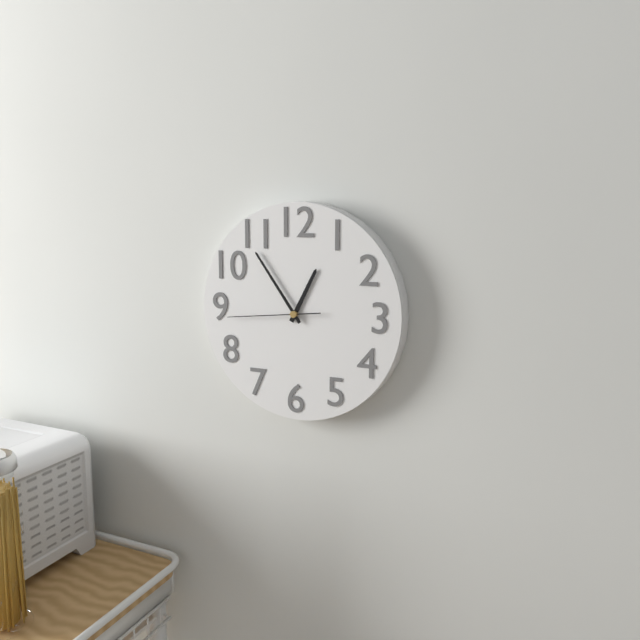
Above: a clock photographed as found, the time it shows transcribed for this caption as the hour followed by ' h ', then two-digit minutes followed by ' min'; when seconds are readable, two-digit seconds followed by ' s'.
12 h 54 min 44 s
